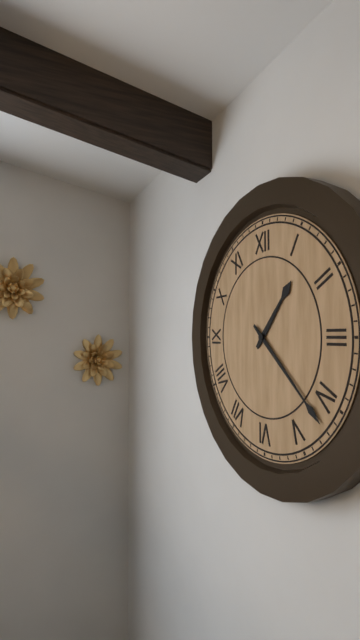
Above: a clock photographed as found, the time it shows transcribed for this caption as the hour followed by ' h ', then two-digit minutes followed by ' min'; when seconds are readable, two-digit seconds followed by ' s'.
1 h 22 min
